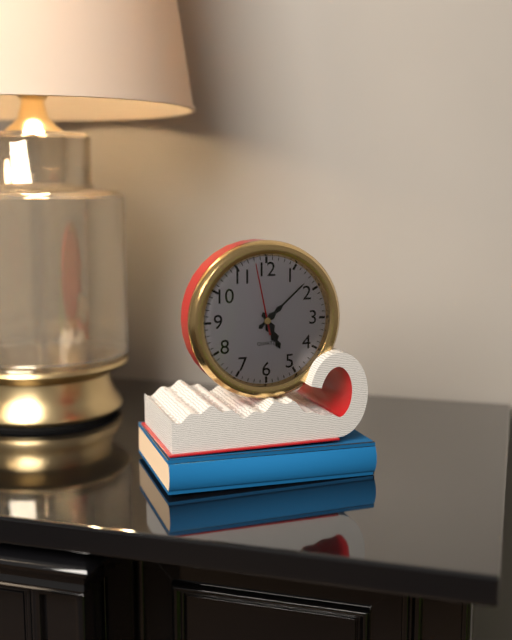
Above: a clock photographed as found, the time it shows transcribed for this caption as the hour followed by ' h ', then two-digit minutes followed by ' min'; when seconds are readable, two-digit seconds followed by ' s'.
5 h 08 min 58 s
